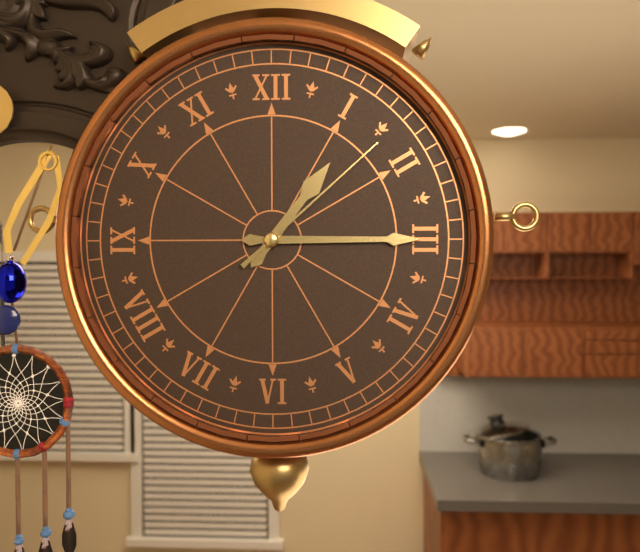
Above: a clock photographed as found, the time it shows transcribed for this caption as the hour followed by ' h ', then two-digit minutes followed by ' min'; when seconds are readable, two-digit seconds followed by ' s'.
1 h 15 min 08 s
